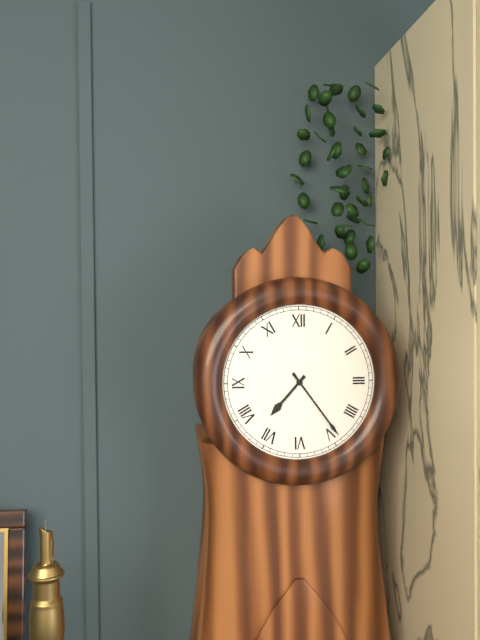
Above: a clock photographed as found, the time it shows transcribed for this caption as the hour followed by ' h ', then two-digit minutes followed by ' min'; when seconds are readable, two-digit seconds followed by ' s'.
7 h 24 min
